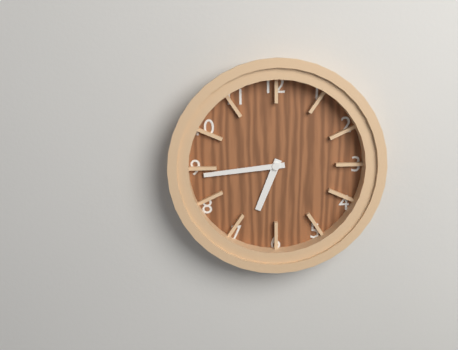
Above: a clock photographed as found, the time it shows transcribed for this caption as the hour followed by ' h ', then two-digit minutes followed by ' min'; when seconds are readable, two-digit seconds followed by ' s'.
6 h 44 min
